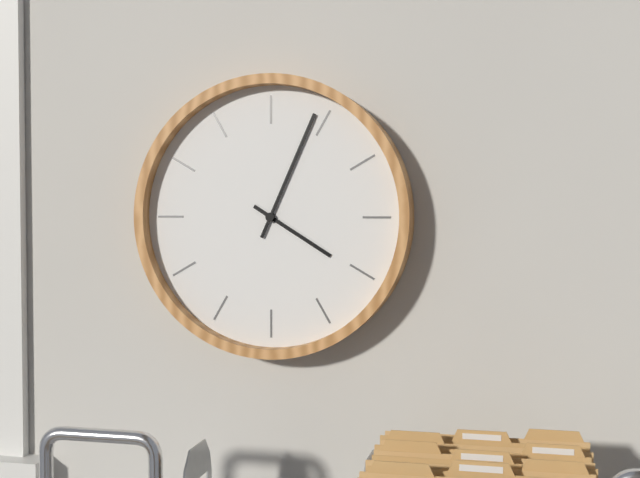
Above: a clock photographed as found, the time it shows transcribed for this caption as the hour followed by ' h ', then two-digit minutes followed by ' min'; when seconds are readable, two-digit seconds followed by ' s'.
4 h 04 min
